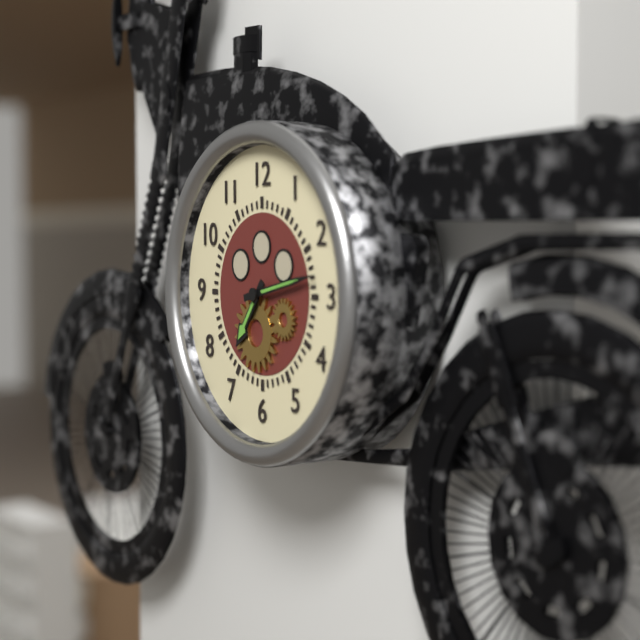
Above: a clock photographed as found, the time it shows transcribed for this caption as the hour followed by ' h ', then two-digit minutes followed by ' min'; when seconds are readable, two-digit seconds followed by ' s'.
7 h 13 min
